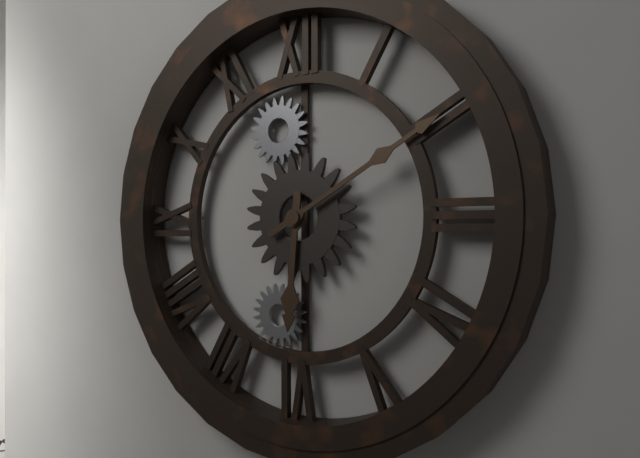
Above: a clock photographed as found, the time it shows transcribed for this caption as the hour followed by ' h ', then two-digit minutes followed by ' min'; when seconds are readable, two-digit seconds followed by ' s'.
6 h 10 min
